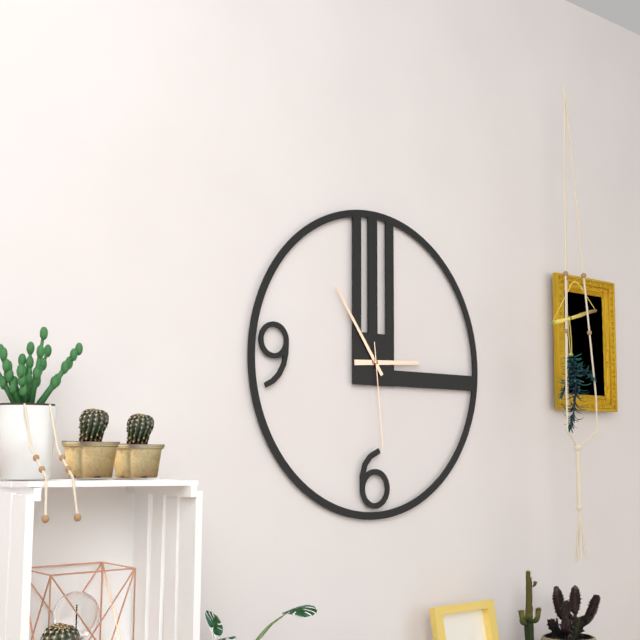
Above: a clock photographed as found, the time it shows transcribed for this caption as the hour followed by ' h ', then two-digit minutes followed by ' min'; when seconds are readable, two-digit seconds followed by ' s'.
2 h 54 min 29 s
